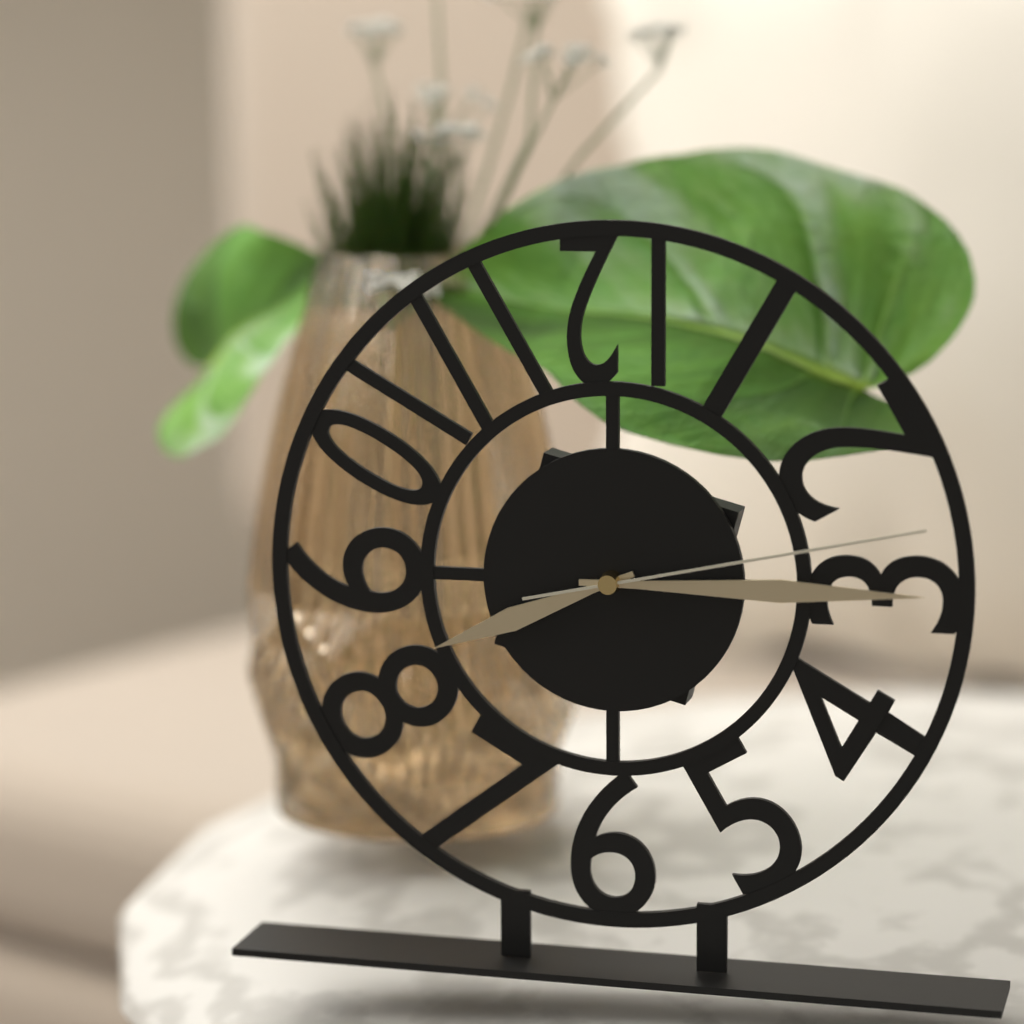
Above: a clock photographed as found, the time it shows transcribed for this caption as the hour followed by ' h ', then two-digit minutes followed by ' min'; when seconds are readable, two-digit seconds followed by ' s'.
8 h 15 min 13 s
